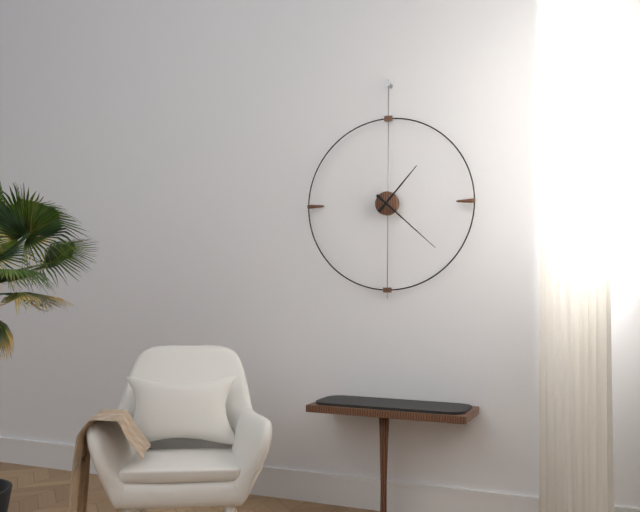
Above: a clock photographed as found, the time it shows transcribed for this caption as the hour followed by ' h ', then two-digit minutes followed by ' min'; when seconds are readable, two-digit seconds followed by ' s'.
1 h 22 min
